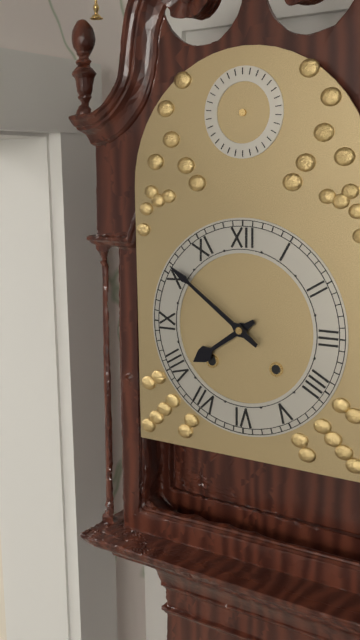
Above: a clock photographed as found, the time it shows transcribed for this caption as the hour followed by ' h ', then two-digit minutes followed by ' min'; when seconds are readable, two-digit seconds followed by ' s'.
7 h 51 min
